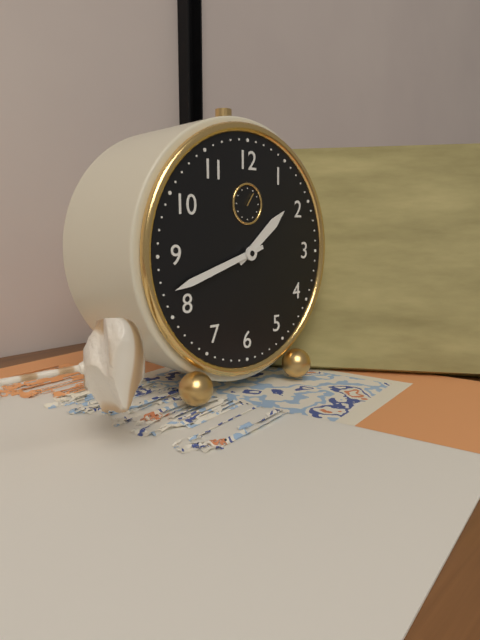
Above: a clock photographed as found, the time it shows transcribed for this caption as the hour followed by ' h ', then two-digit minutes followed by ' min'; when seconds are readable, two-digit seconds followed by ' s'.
1 h 42 min
